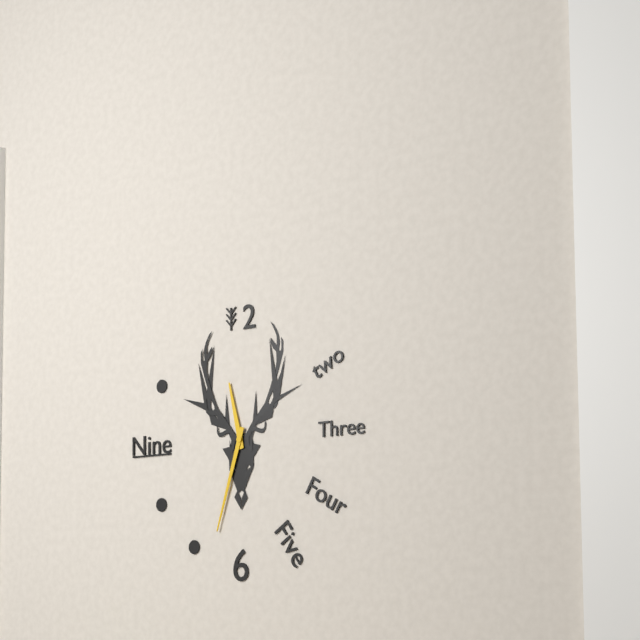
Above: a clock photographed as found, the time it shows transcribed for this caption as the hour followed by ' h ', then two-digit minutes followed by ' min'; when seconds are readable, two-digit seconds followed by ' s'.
11 h 33 min
